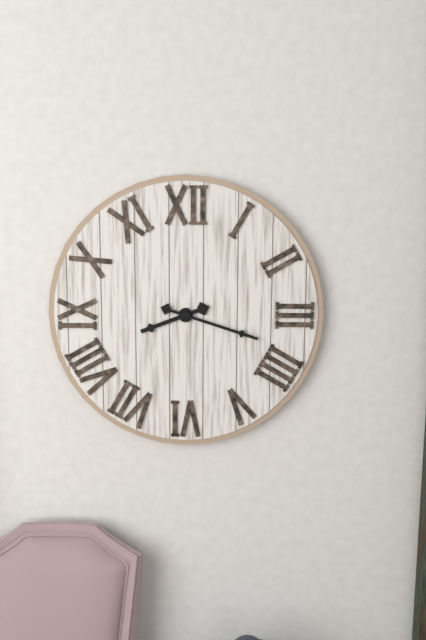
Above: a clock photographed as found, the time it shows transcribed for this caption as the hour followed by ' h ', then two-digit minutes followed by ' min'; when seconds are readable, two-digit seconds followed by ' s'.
8 h 18 min
